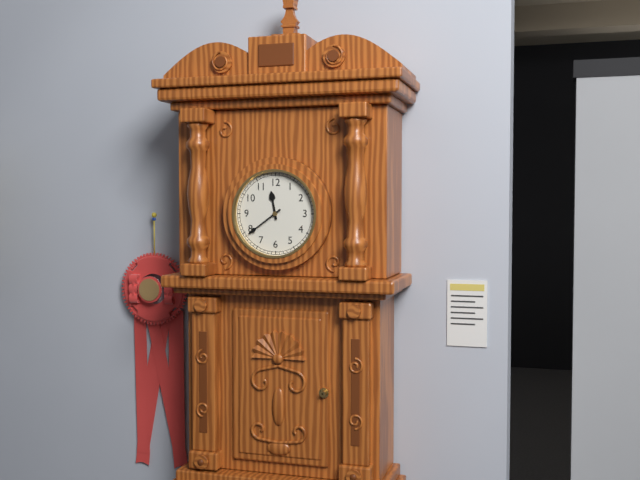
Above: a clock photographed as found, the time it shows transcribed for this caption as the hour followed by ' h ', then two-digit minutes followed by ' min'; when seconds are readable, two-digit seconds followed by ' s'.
11 h 39 min
